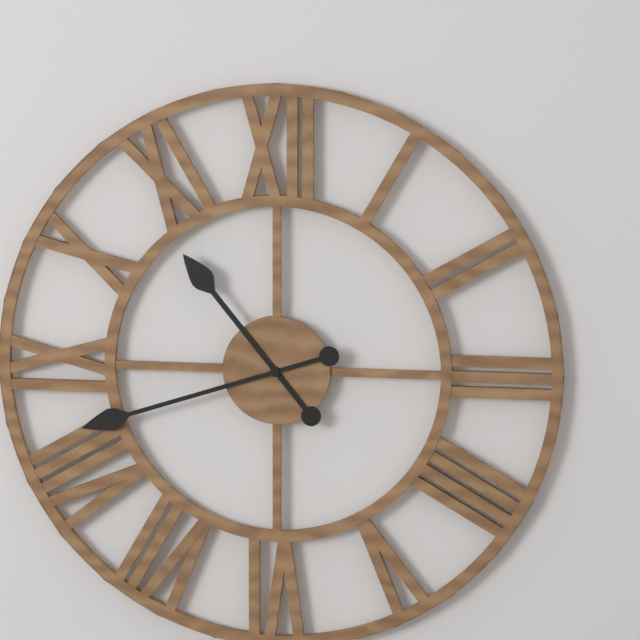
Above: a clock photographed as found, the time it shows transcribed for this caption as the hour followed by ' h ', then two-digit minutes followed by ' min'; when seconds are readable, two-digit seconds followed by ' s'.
10 h 42 min
